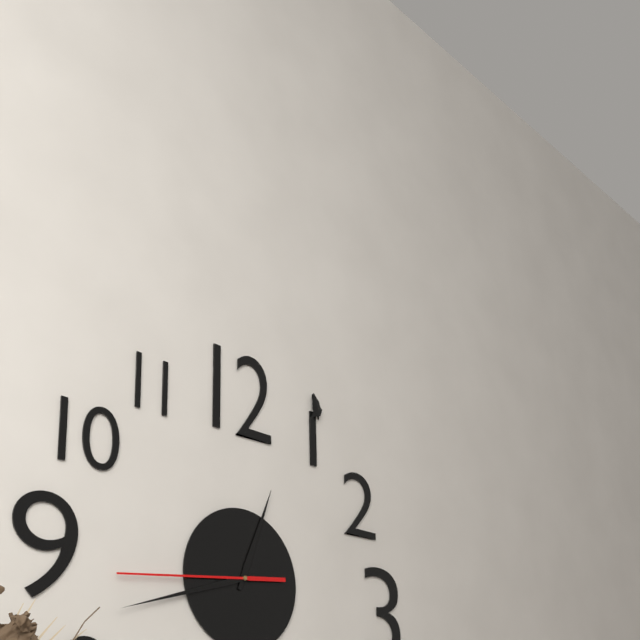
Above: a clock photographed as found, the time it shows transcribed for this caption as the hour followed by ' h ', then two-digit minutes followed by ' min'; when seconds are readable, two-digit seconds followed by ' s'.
12 h 42 min 44 s
